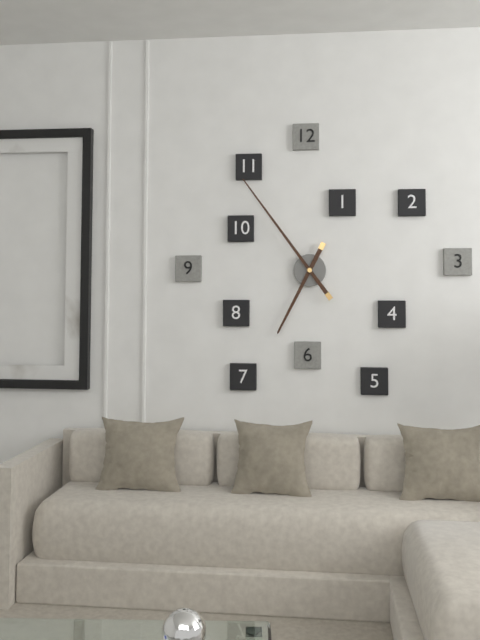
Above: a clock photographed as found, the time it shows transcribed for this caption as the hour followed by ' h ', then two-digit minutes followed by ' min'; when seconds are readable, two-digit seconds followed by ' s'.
6 h 54 min
